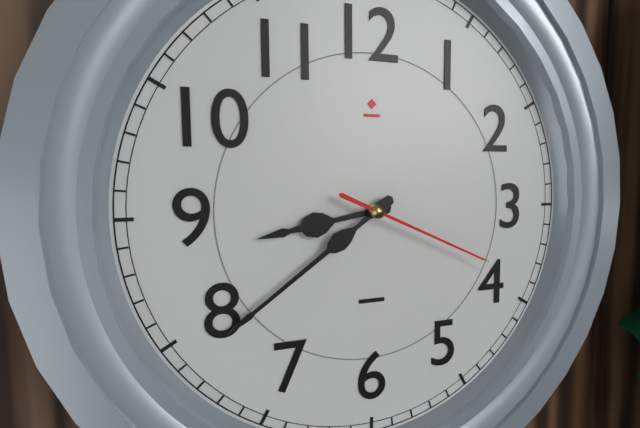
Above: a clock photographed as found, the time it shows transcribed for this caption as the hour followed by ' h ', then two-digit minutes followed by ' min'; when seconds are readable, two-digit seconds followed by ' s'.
8 h 39 min 19 s
